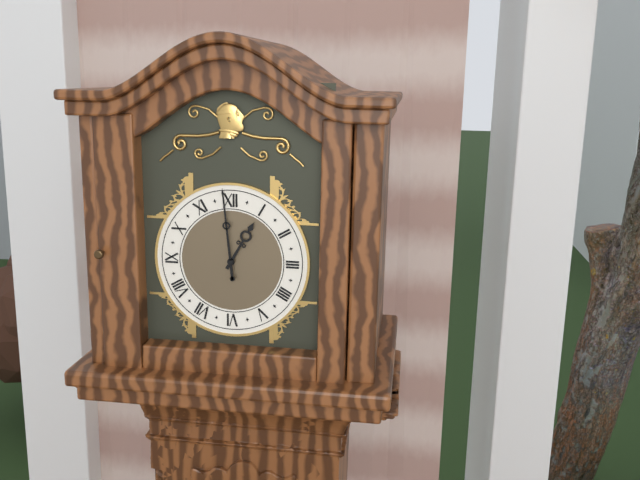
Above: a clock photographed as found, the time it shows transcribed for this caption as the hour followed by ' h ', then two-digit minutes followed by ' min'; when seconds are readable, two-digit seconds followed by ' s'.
12 h 59 min
